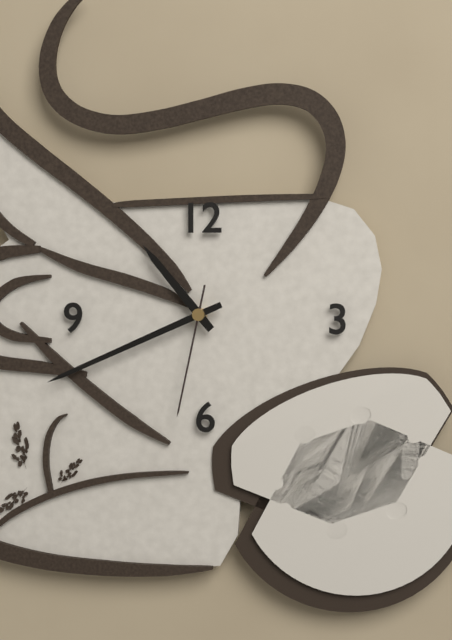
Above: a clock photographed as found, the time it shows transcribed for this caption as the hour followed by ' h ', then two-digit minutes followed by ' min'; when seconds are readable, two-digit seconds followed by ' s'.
10 h 41 min 32 s
